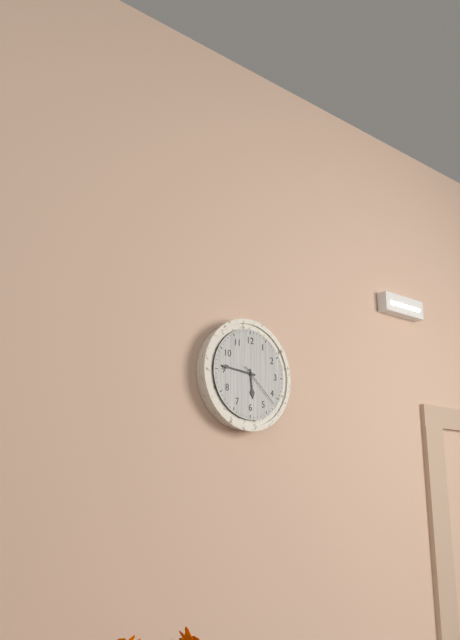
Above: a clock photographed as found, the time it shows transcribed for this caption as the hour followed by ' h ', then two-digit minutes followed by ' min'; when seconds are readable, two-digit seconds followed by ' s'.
5 h 46 min
